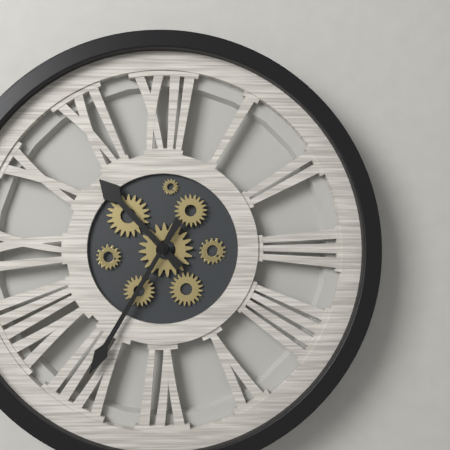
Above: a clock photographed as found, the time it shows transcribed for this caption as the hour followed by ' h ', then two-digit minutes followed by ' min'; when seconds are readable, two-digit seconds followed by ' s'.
10 h 35 min
